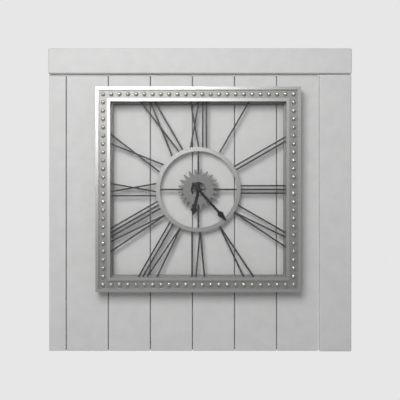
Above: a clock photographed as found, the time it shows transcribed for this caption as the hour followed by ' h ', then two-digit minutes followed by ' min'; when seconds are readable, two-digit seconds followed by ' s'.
6 h 23 min
